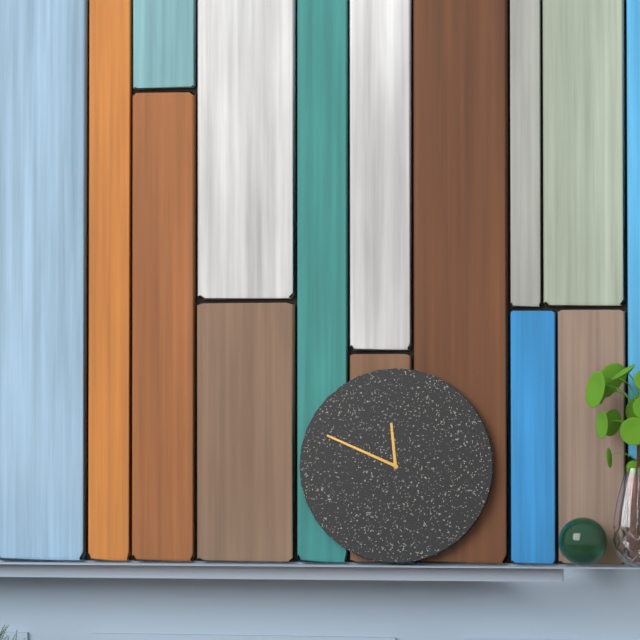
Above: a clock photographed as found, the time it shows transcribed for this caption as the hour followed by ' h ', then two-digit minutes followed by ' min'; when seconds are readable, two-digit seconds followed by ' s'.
11 h 49 min
